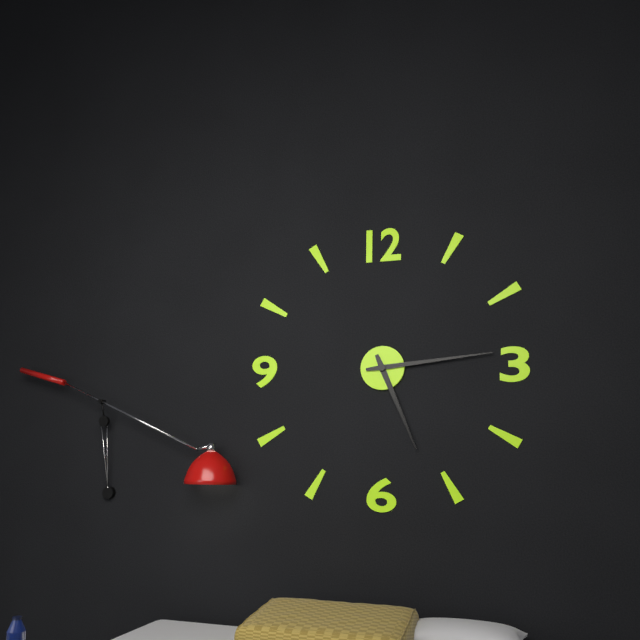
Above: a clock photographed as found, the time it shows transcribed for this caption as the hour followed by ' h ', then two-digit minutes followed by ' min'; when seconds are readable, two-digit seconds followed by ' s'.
5 h 14 min
